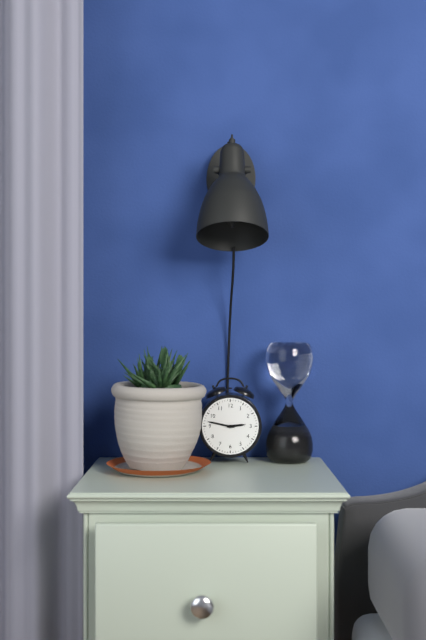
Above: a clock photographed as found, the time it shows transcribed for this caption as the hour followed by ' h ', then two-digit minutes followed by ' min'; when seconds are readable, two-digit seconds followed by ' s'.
2 h 47 min
